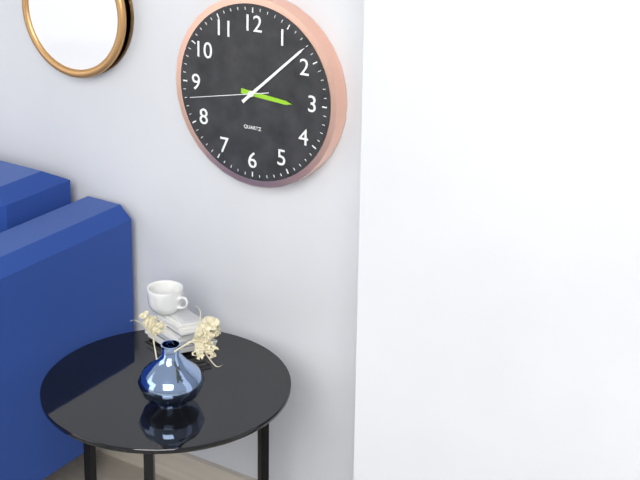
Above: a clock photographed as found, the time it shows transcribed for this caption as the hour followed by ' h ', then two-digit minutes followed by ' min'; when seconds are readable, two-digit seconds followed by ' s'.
3 h 08 min 43 s
